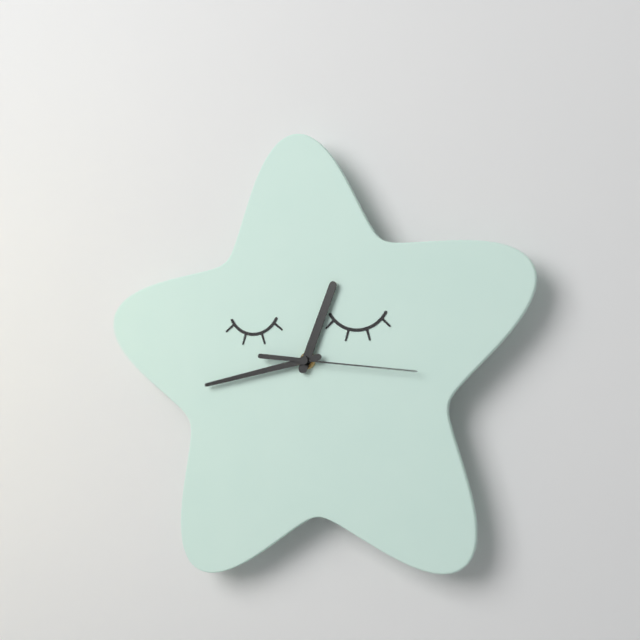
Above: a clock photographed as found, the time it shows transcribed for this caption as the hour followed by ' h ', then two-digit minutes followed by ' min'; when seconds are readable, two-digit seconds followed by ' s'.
12 h 43 min 16 s
